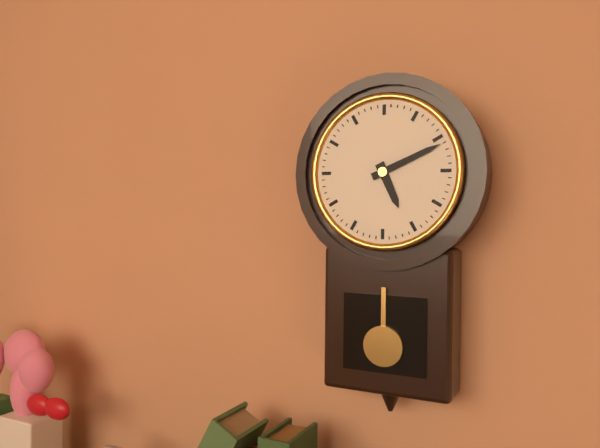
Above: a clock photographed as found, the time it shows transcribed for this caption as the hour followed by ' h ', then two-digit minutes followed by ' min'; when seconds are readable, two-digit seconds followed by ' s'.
5 h 11 min
